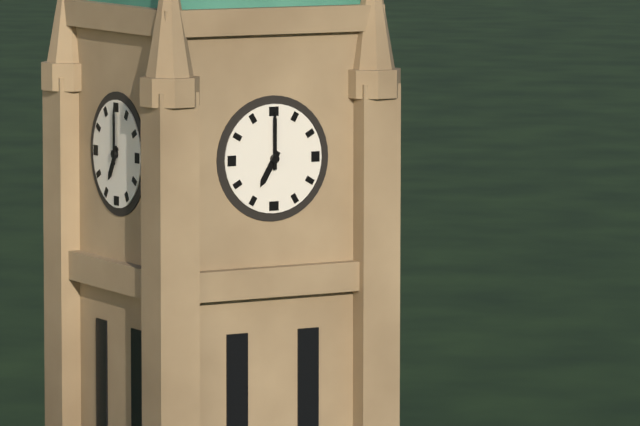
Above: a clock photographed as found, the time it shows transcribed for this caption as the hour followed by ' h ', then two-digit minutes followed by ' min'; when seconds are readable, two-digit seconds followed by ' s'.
7 h 00 min
